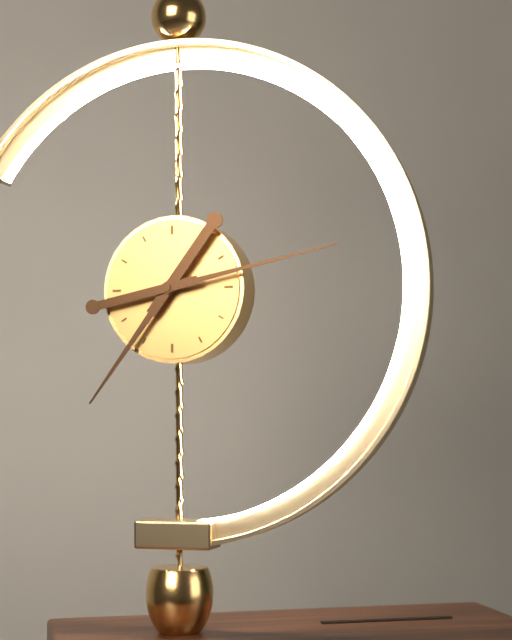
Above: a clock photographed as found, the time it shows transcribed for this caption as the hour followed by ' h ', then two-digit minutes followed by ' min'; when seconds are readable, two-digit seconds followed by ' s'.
7 h 13 min
